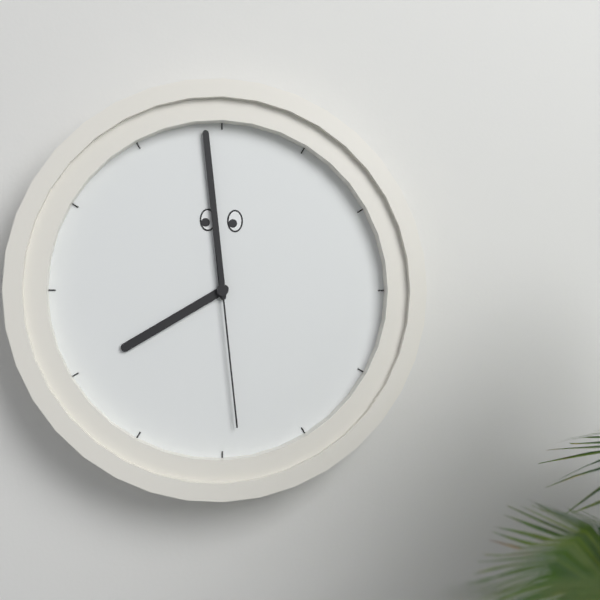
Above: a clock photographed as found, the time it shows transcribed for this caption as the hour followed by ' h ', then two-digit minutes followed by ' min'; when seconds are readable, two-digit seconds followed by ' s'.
7 h 59 min 29 s
